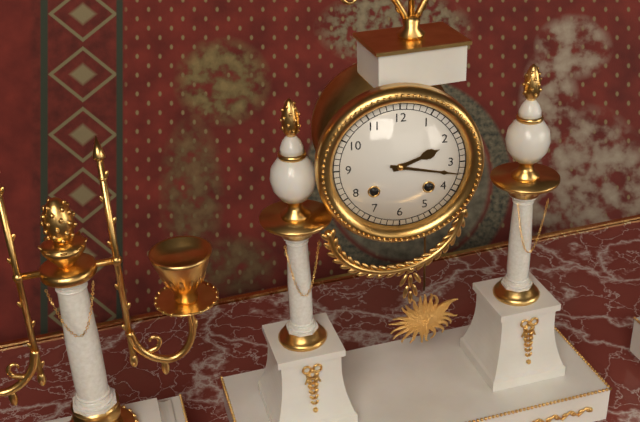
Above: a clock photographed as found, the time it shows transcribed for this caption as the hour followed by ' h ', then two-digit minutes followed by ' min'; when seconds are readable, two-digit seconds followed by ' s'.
2 h 17 min
